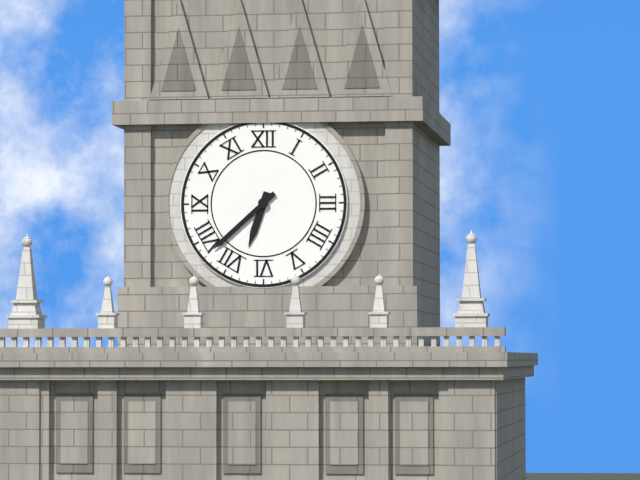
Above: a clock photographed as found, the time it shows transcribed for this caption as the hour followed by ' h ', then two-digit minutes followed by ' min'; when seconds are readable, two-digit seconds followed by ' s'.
6 h 38 min
